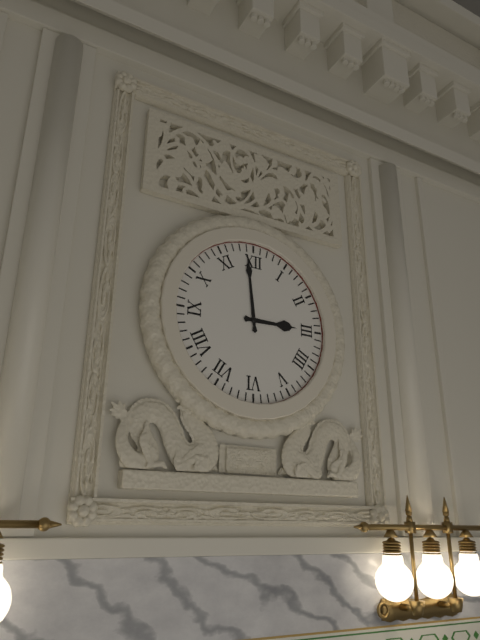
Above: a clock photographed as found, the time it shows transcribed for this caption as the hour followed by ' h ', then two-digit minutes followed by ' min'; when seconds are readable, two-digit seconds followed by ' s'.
2 h 59 min
